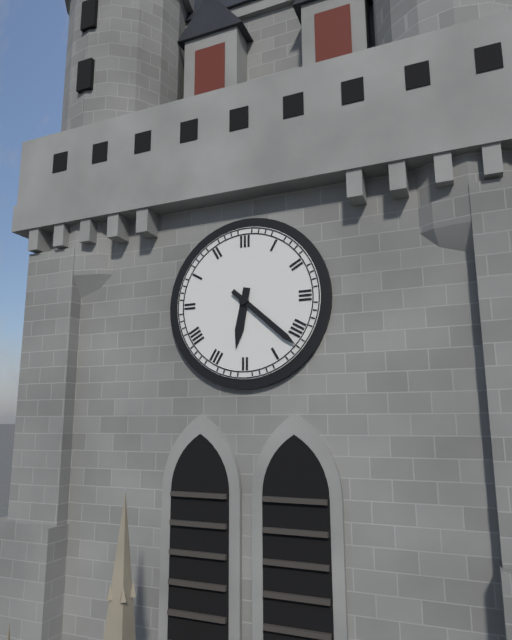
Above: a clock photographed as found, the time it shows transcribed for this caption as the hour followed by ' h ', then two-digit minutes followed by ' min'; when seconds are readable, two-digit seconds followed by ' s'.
6 h 22 min
